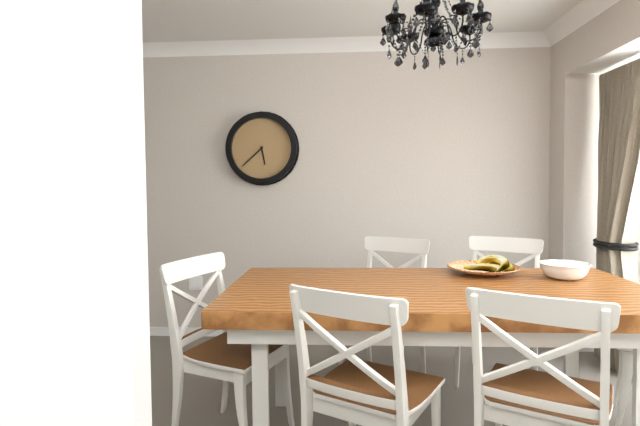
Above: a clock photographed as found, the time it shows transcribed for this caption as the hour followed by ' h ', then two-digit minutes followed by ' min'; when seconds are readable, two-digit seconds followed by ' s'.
5 h 38 min
